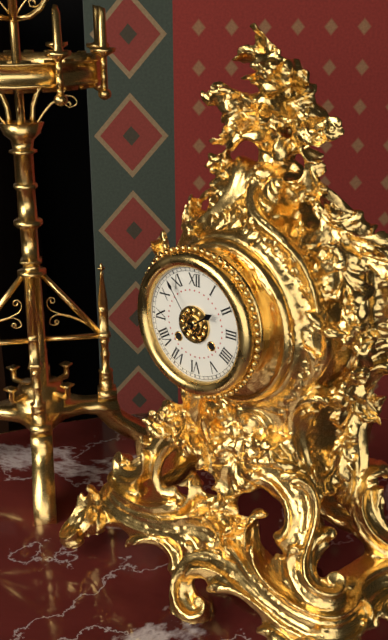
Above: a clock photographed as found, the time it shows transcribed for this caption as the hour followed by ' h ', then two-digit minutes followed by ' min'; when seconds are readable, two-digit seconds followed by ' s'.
1 h 54 min
